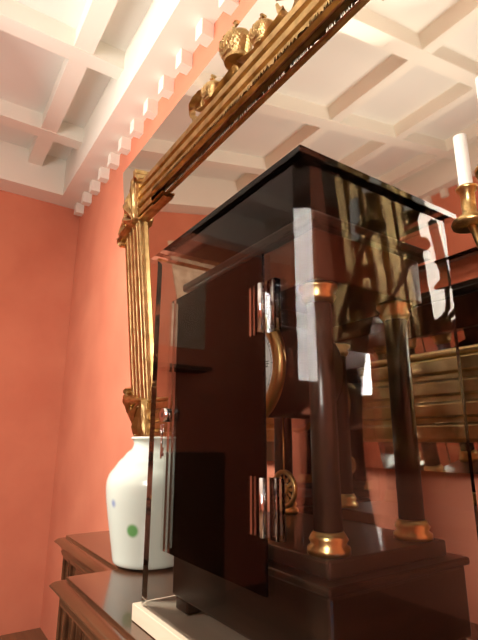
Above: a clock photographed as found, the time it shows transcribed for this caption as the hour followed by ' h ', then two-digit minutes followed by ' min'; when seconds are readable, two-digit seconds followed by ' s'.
3 h 33 min
